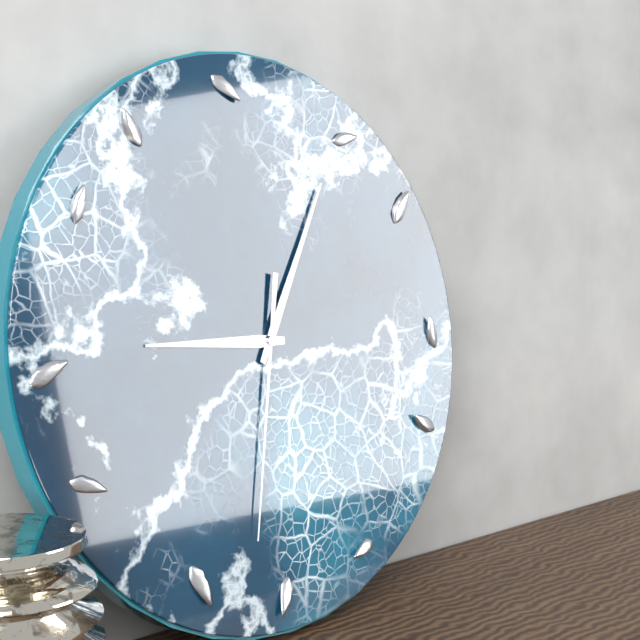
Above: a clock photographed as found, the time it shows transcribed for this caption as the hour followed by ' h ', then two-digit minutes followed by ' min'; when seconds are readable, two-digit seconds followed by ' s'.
9 h 05 min 32 s
